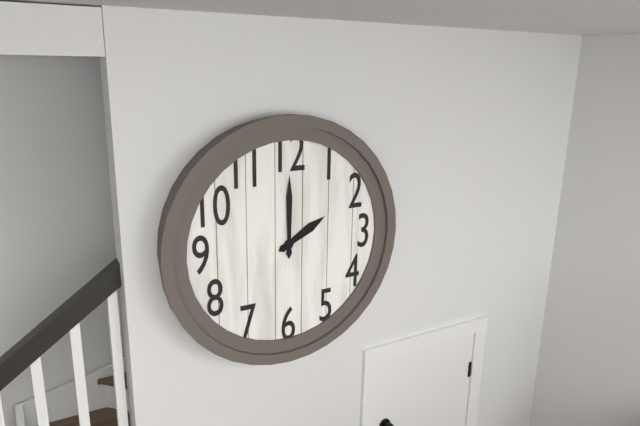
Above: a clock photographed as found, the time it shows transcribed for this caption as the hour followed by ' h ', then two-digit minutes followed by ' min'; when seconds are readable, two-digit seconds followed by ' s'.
2 h 00 min
